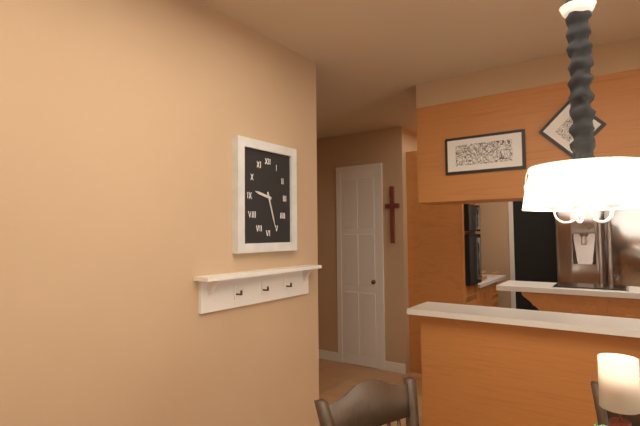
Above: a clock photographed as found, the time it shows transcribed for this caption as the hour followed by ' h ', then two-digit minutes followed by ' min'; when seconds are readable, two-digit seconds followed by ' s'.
9 h 27 min
